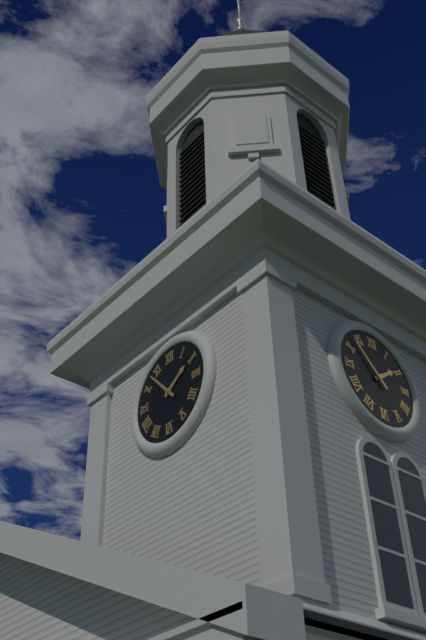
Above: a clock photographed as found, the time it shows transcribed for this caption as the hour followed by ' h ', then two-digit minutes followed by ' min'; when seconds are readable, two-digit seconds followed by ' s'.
1 h 53 min
